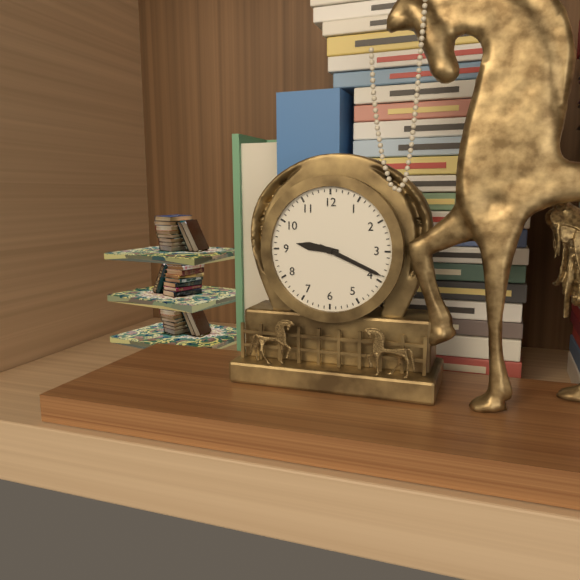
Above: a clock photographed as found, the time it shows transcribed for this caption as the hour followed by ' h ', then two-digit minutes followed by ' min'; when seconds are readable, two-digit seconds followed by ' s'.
9 h 19 min
